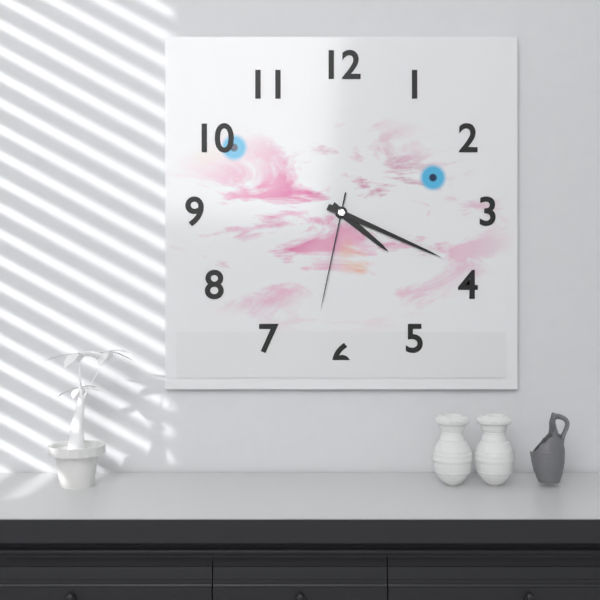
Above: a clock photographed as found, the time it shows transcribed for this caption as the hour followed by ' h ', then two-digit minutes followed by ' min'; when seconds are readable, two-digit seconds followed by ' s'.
4 h 19 min 32 s
